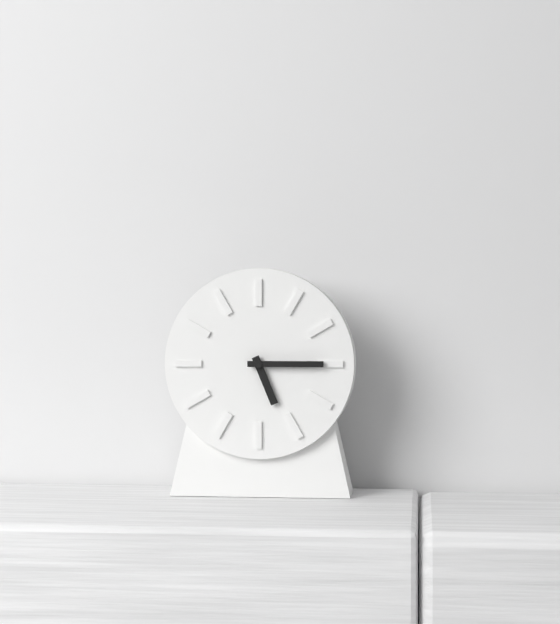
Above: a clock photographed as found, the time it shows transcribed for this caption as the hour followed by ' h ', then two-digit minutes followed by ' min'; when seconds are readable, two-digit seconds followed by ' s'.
5 h 15 min
